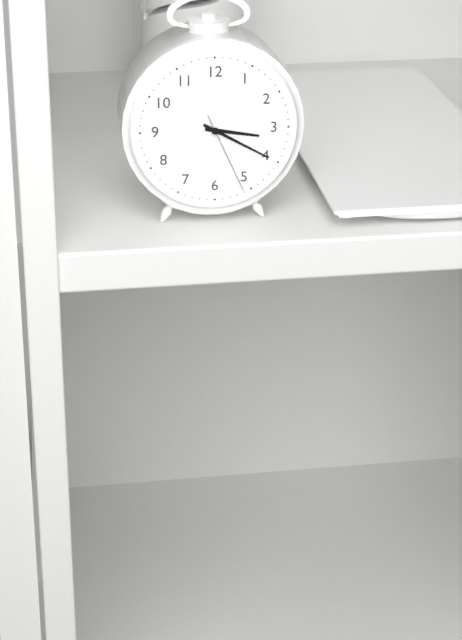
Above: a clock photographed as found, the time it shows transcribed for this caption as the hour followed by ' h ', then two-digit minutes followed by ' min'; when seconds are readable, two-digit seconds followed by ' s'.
3 h 20 min 26 s
